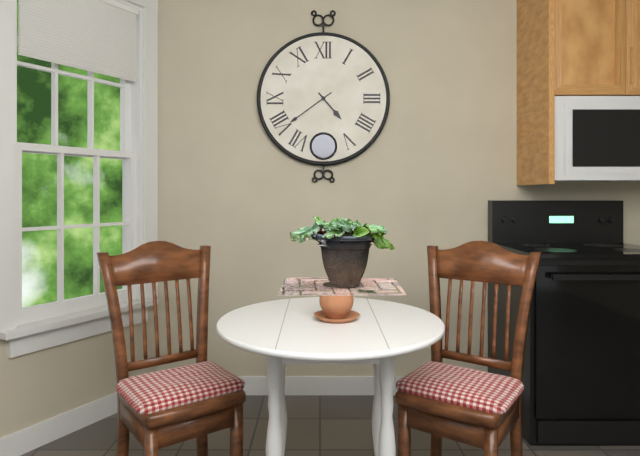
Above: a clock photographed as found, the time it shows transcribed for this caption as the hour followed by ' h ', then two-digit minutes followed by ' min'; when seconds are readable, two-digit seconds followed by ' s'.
4 h 39 min
